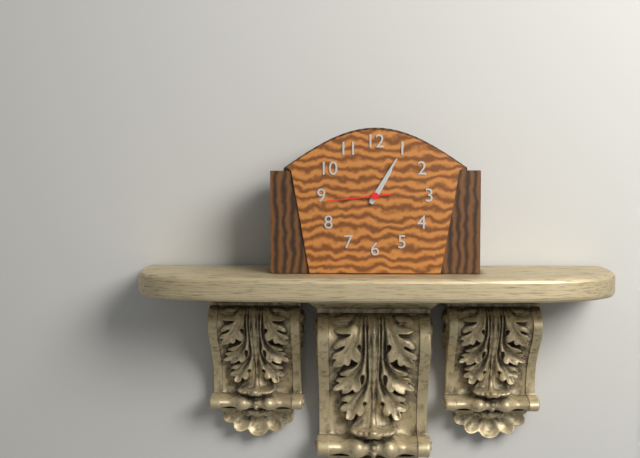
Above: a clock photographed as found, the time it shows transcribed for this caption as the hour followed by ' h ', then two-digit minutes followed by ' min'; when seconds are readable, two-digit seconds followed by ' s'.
1 h 05 min 44 s
